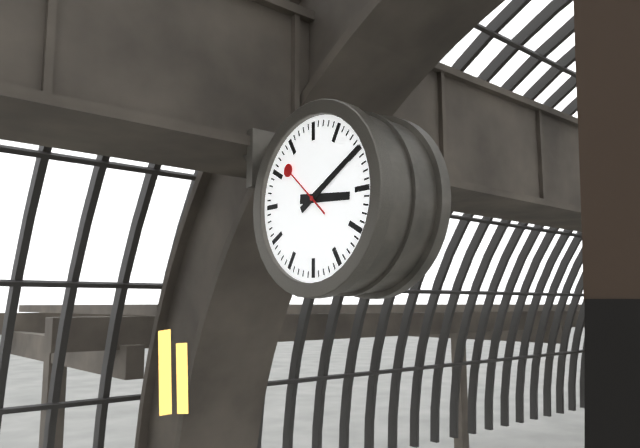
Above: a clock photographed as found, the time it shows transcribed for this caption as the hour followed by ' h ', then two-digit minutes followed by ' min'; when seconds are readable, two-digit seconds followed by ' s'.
3 h 10 min 52 s
